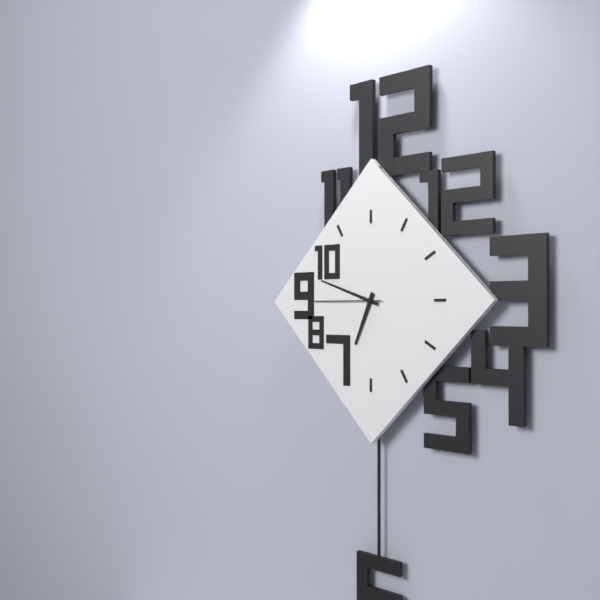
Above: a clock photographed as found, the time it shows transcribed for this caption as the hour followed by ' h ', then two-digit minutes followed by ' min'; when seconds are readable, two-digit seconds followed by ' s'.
6 h 48 min 45 s
